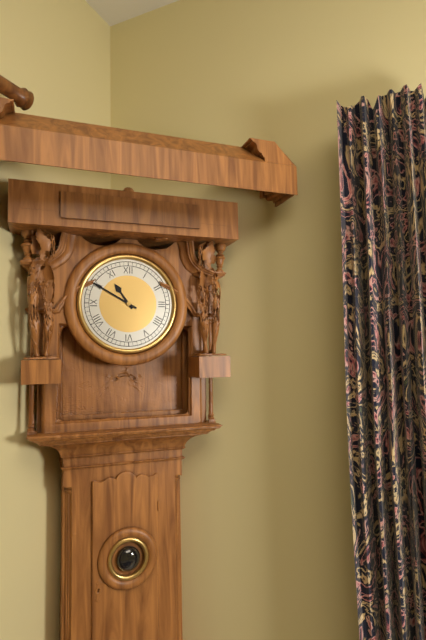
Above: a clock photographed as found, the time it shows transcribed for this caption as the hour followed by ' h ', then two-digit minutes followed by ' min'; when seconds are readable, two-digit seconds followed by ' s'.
10 h 50 min
